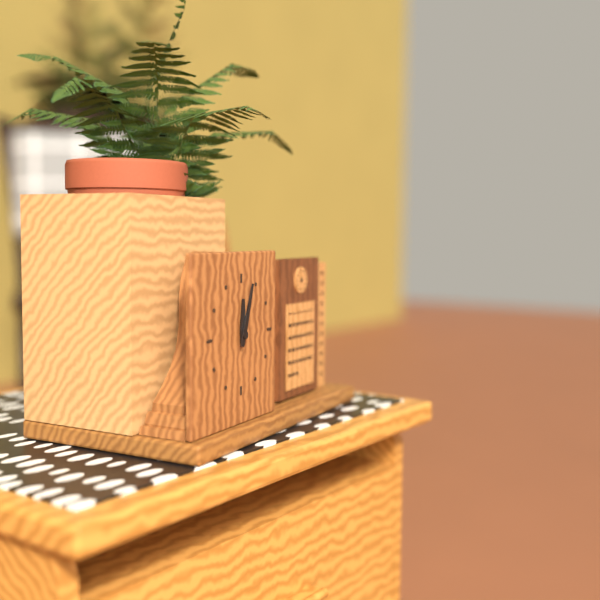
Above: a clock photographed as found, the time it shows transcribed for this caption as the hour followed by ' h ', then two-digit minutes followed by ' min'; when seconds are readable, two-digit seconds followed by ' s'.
12 h 03 min
